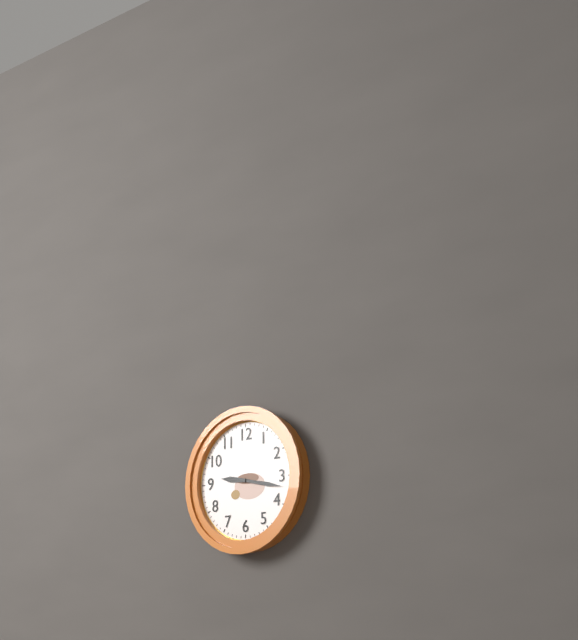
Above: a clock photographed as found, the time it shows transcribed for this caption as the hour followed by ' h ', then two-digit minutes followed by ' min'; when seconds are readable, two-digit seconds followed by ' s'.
9 h 17 min
